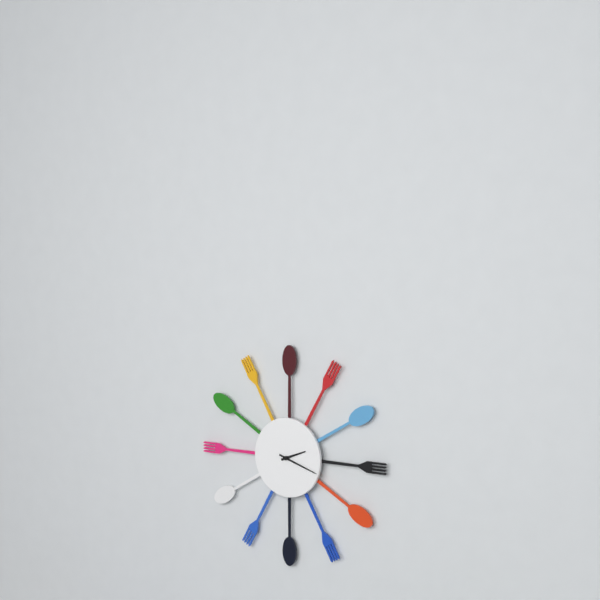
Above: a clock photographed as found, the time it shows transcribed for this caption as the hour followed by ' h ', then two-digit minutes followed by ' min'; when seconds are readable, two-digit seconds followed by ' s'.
2 h 18 min
